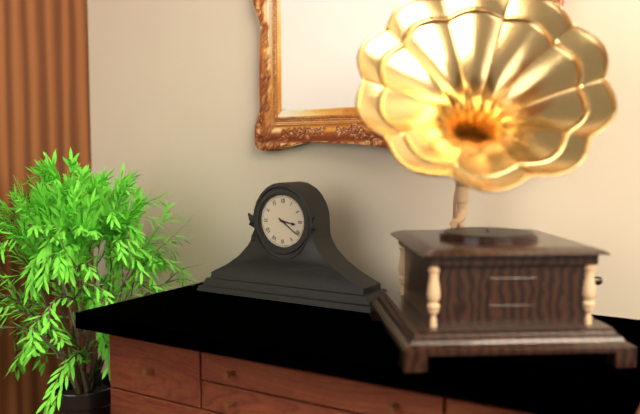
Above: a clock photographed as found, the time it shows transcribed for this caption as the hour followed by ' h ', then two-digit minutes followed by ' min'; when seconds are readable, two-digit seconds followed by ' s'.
3 h 21 min
